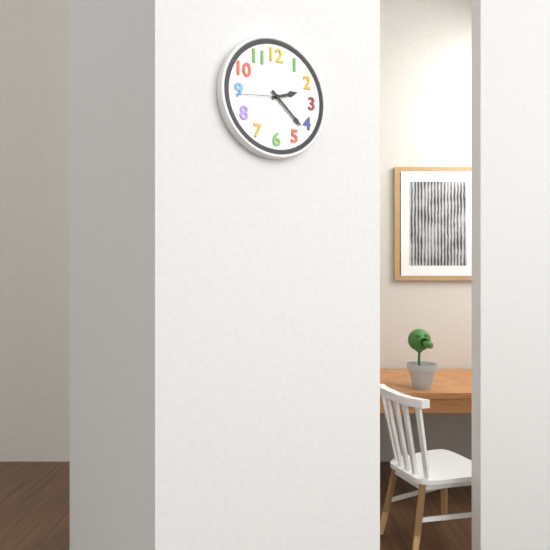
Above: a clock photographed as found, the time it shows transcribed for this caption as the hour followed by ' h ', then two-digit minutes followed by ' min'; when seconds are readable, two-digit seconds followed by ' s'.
2 h 22 min 44 s
